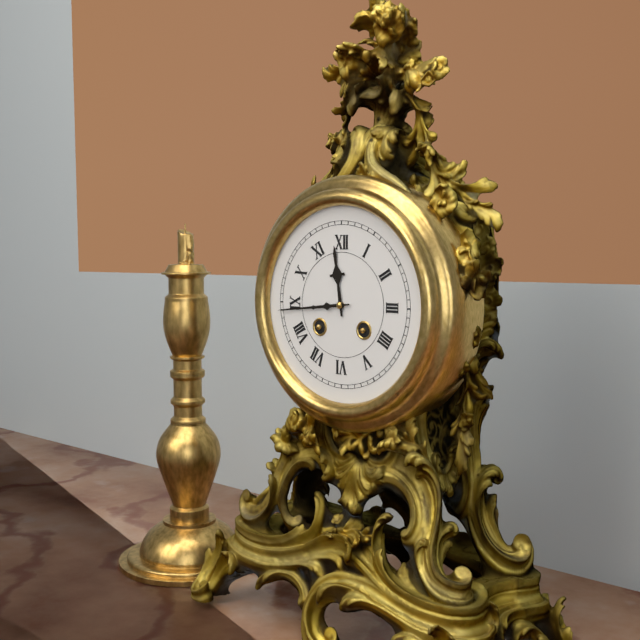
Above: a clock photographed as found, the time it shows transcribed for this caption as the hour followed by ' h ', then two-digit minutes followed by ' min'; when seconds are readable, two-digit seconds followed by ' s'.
11 h 44 min
